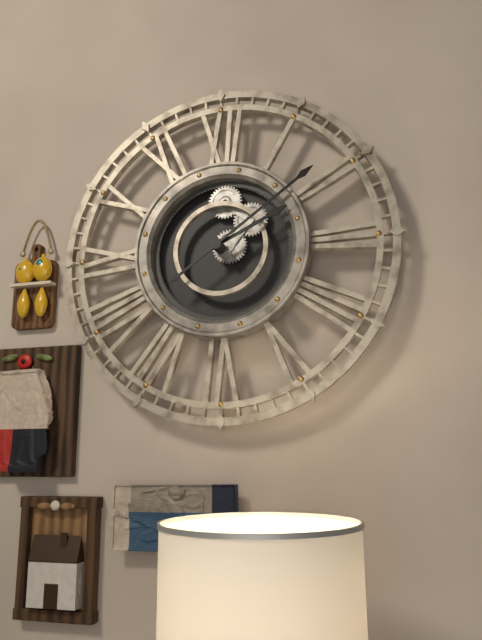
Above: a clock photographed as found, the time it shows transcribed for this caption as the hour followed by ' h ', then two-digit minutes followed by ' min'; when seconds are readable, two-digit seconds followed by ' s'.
2 h 09 min
